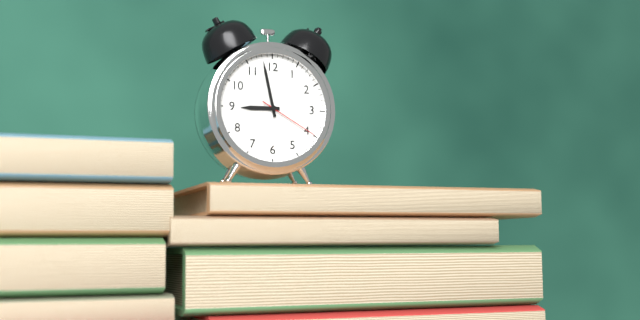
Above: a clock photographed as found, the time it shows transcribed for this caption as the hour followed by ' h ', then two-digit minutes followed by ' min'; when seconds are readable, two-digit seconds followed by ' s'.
8 h 58 min 20 s
